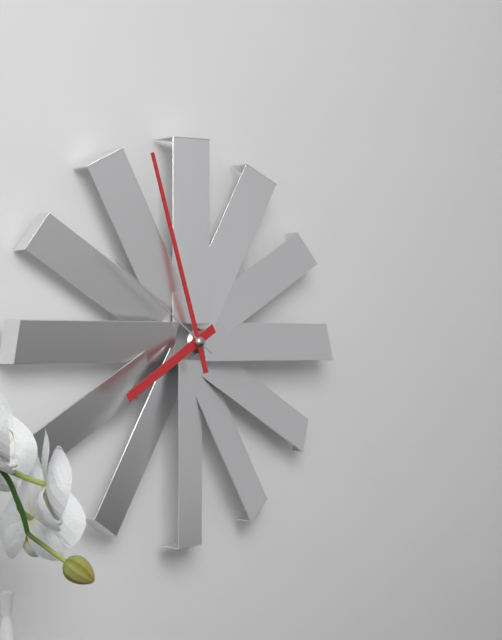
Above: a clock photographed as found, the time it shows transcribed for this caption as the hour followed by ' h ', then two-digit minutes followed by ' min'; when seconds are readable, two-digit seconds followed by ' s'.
7 h 57 min 51 s
